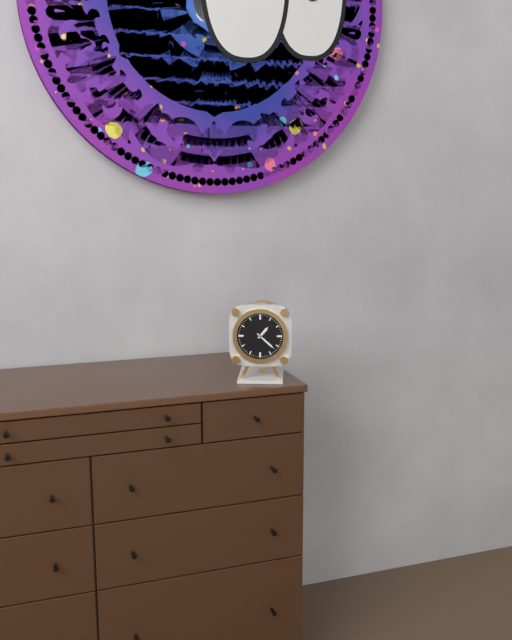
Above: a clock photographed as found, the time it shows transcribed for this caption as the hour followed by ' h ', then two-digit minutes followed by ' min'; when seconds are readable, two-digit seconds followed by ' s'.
1 h 22 min
